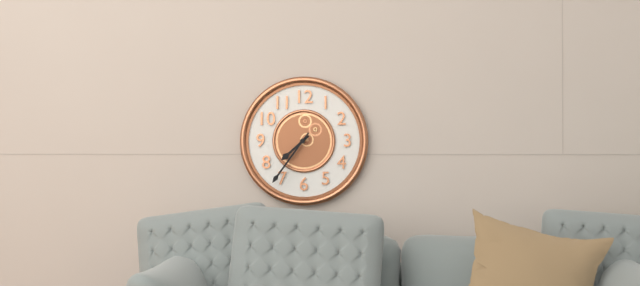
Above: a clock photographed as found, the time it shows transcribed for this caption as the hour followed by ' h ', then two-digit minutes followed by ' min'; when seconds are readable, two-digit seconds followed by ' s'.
7 h 36 min
